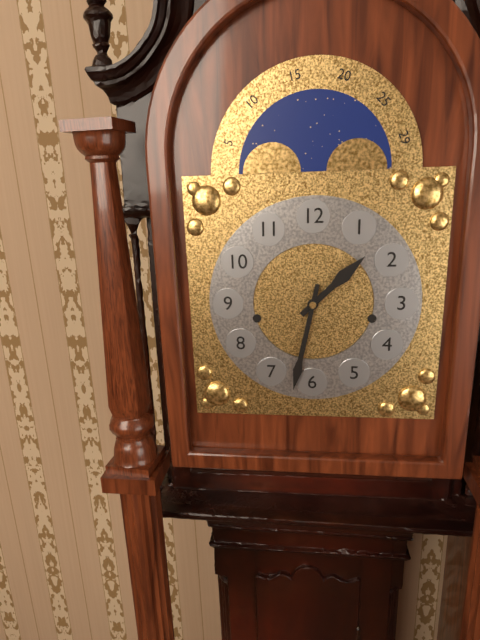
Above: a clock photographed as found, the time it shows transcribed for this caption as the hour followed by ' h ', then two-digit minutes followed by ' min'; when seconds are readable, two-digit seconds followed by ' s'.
1 h 32 min
